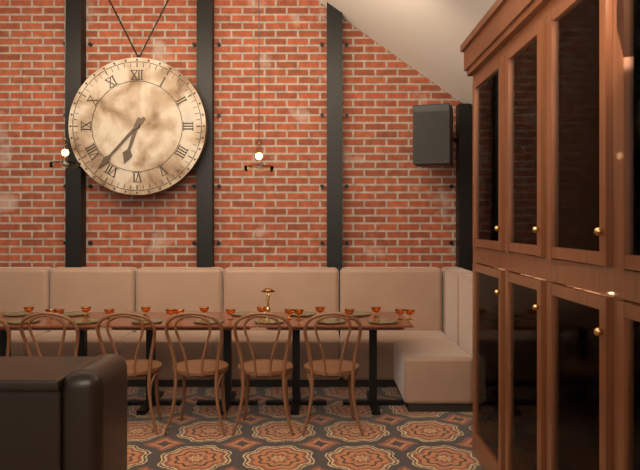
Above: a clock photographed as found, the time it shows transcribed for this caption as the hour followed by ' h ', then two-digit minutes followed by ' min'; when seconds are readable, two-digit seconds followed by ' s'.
6 h 37 min
